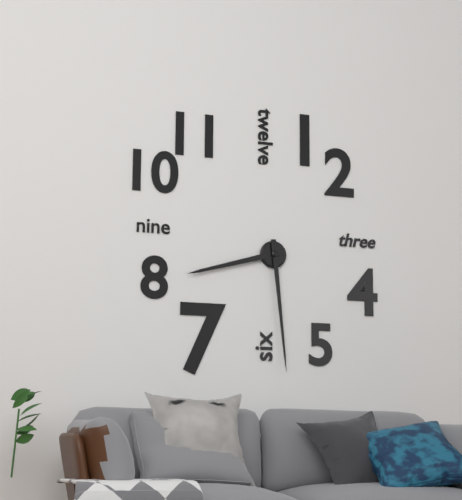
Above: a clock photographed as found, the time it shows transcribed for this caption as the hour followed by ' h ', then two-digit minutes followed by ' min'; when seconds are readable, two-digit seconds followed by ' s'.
8 h 29 min
